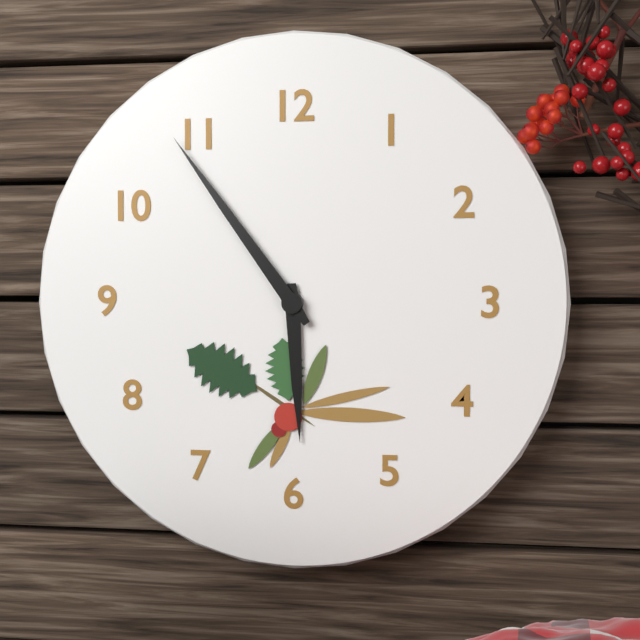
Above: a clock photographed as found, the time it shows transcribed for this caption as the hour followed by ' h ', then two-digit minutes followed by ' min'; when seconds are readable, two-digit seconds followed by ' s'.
5 h 54 min
